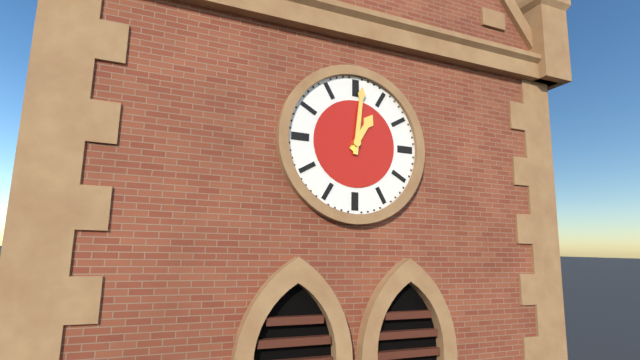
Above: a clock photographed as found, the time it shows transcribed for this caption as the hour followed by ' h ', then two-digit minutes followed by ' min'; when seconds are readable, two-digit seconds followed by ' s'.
1 h 01 min
